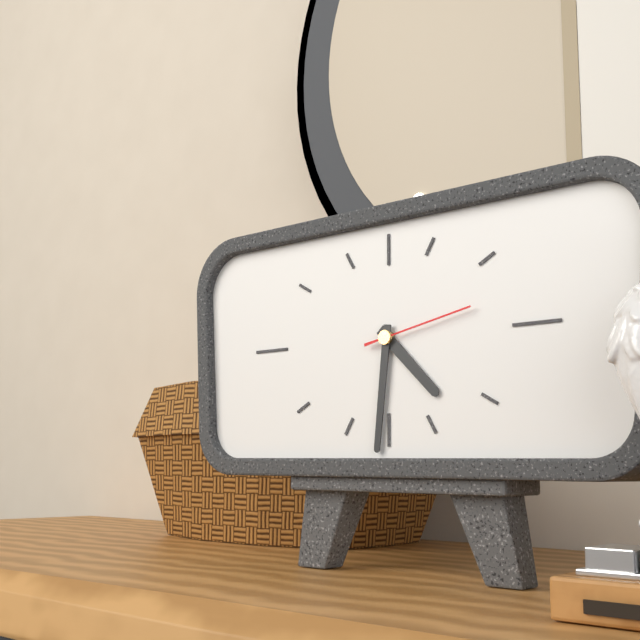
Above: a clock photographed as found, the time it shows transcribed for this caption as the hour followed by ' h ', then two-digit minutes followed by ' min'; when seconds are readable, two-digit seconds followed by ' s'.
4 h 31 min 13 s
